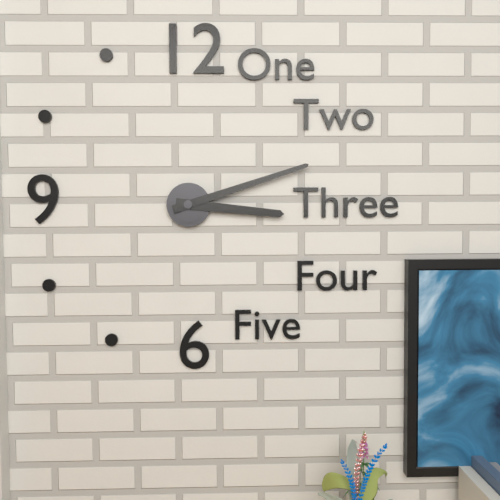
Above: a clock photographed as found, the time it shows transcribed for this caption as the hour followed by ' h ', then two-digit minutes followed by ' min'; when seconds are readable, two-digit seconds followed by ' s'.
3 h 12 min
